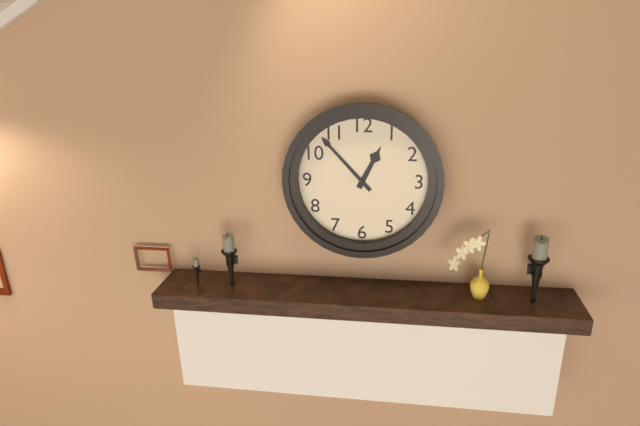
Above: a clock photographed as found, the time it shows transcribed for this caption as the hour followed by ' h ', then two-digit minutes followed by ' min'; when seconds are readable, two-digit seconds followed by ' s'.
12 h 53 min
